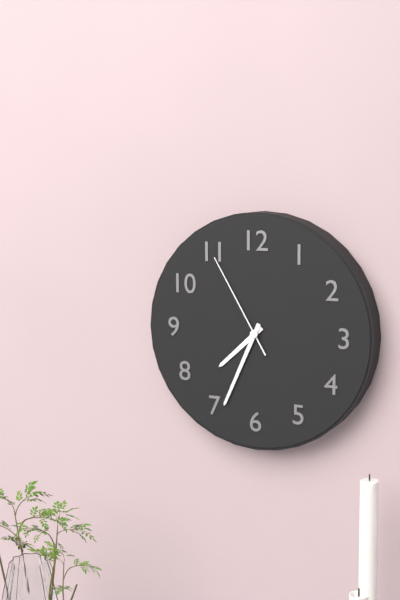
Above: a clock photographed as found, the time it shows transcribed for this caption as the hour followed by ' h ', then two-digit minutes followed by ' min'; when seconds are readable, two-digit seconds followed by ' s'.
7 h 34 min 55 s
